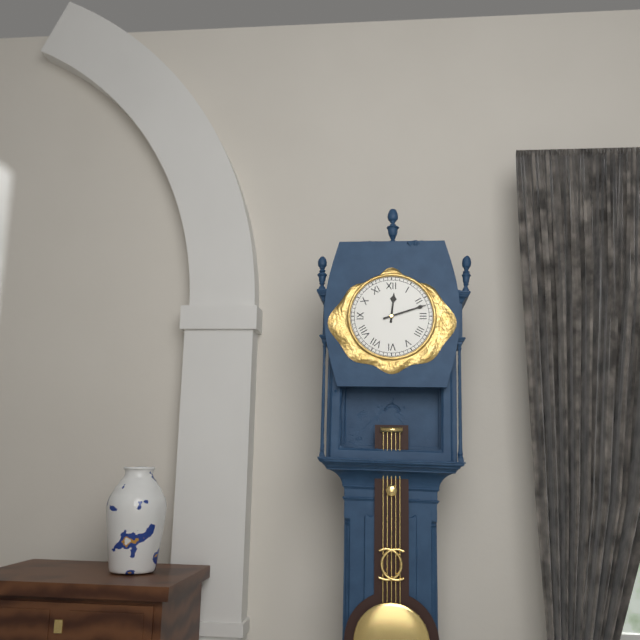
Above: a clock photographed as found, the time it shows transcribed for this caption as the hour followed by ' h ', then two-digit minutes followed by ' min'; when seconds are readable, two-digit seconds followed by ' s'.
12 h 12 min
